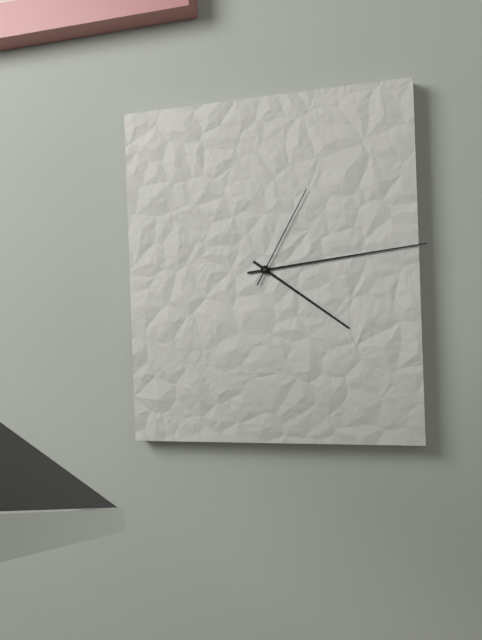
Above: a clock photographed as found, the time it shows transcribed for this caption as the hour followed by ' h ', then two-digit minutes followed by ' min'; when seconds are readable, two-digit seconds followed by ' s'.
4 h 14 min 05 s
